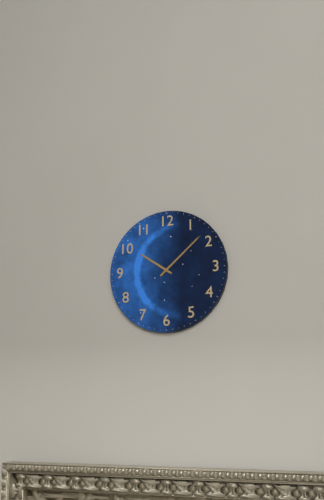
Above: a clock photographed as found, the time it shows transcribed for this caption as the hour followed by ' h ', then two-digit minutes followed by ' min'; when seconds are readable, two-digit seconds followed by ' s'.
10 h 08 min
